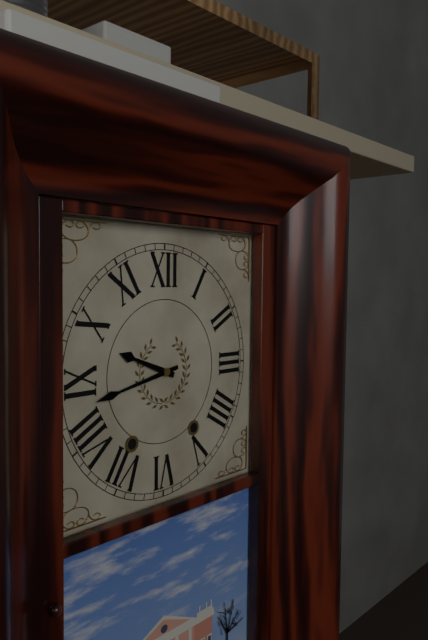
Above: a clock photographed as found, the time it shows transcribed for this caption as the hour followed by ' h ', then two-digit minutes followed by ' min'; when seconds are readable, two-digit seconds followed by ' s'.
9 h 43 min
